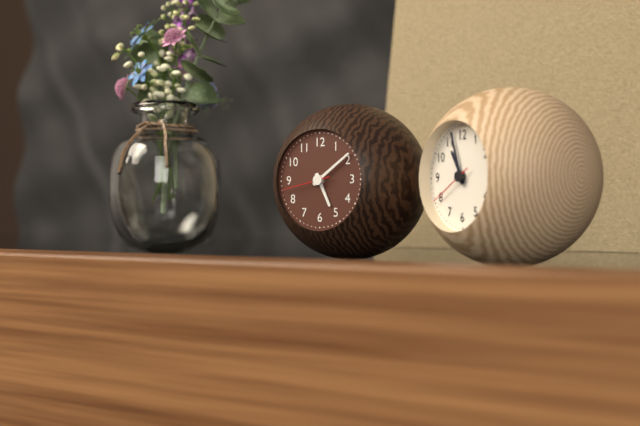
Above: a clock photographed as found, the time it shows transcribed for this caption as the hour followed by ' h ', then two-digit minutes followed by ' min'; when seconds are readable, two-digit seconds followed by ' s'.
5 h 09 min
